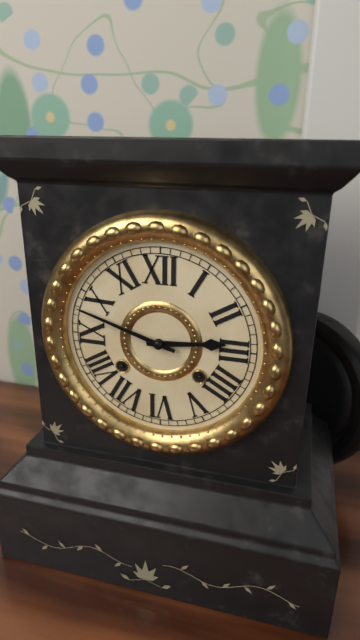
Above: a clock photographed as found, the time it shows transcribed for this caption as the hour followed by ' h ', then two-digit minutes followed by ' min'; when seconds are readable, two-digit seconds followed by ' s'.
2 h 48 min
